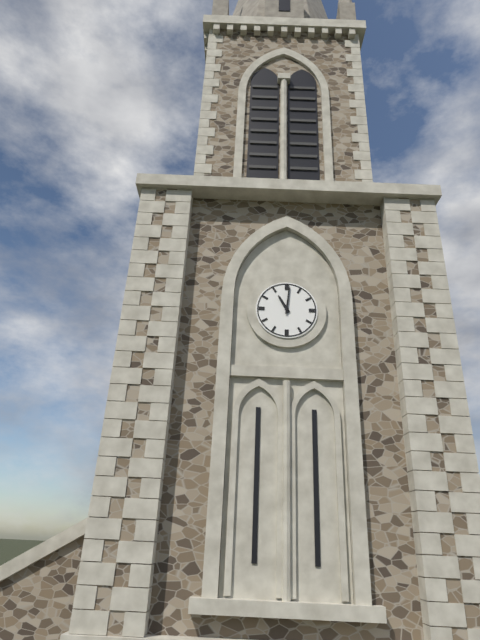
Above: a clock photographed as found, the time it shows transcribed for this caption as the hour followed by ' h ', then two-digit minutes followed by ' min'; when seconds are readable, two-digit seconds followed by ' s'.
11 h 01 min
